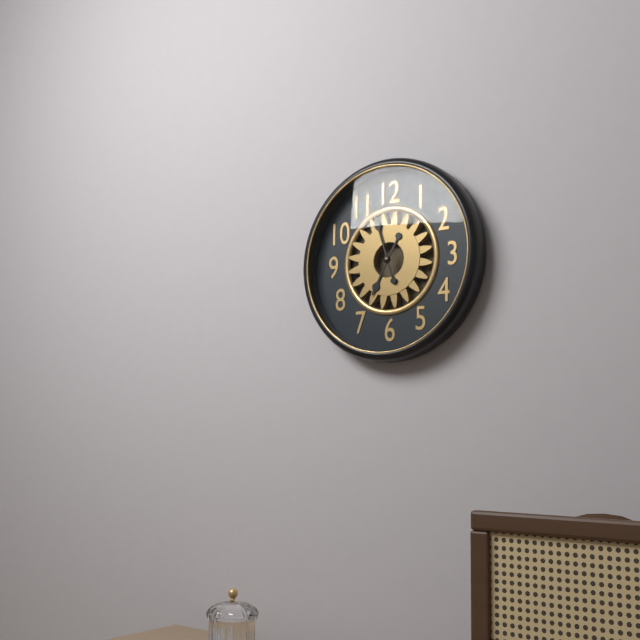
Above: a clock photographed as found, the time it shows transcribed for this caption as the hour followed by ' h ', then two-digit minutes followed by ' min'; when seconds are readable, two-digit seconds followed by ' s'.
6 h 57 min
